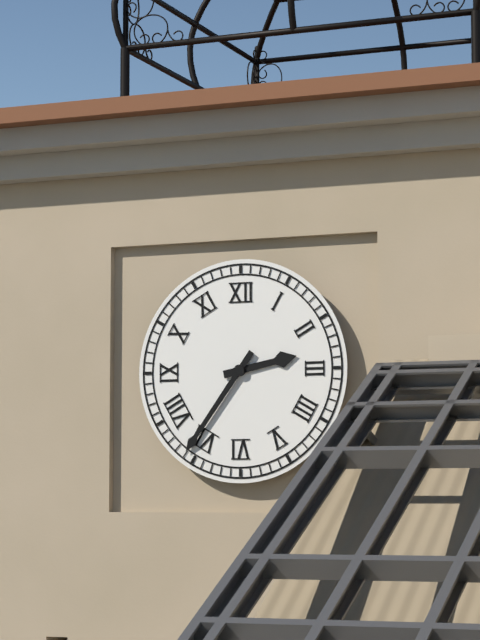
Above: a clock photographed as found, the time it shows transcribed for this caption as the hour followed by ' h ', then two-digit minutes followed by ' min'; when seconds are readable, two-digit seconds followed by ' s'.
2 h 36 min
